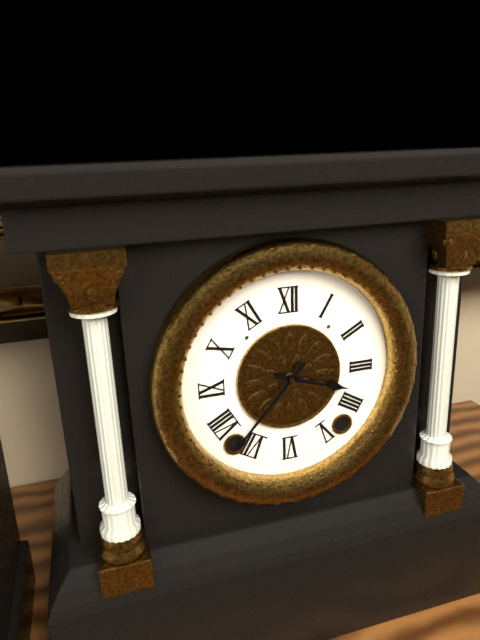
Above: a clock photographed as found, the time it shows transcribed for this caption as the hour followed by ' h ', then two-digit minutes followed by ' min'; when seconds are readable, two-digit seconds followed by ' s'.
3 h 37 min
